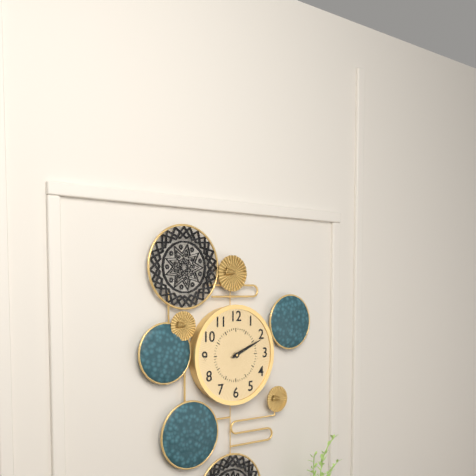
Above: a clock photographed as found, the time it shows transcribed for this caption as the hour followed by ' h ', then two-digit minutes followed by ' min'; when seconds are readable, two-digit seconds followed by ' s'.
2 h 11 min
